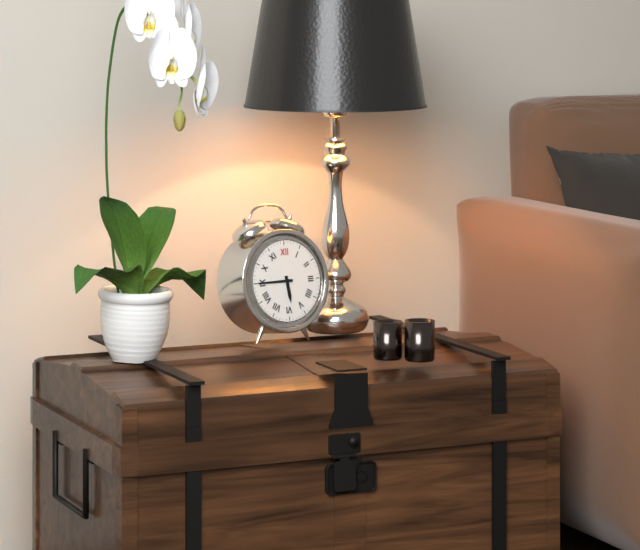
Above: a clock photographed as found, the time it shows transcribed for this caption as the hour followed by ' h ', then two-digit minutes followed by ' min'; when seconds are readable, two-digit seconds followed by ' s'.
5 h 45 min
